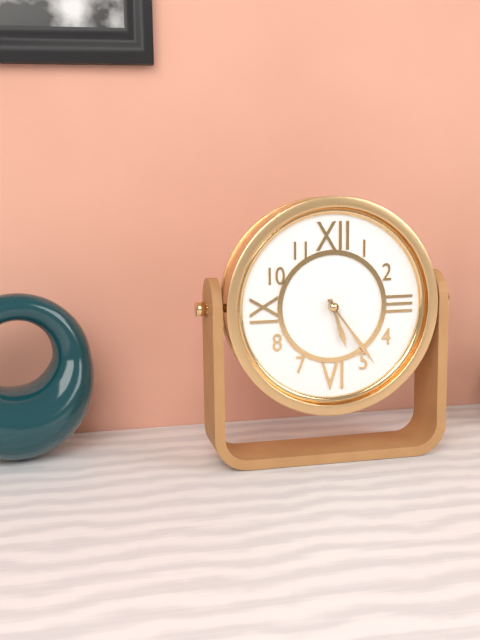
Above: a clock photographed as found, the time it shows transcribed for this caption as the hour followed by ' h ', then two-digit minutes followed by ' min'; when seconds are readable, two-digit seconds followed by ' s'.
5 h 24 min
